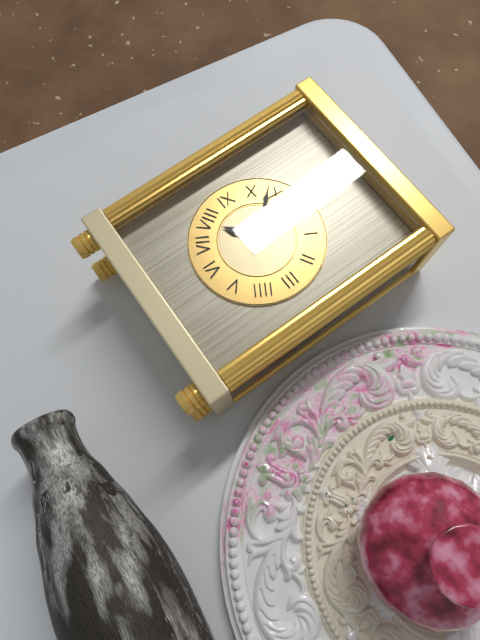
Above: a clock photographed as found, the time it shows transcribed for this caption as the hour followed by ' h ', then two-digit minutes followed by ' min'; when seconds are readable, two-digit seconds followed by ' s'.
7 h 53 min
